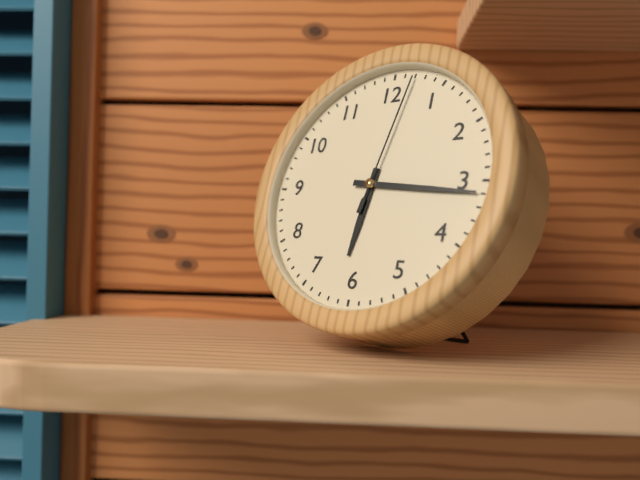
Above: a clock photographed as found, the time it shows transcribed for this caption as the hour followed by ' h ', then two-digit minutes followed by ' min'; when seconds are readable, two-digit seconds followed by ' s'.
6 h 16 min 02 s
